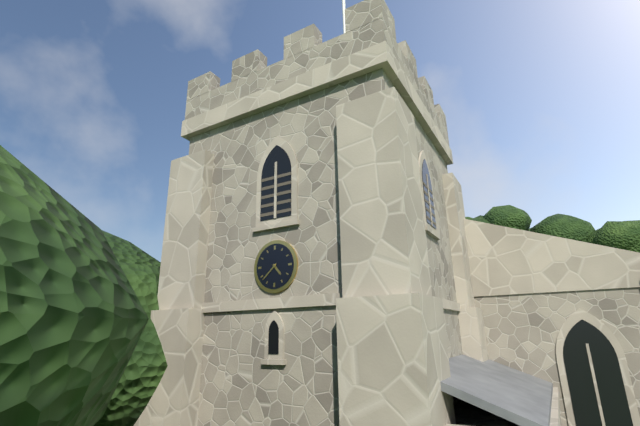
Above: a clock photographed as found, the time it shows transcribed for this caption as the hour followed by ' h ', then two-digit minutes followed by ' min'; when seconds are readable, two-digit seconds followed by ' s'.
4 h 38 min
